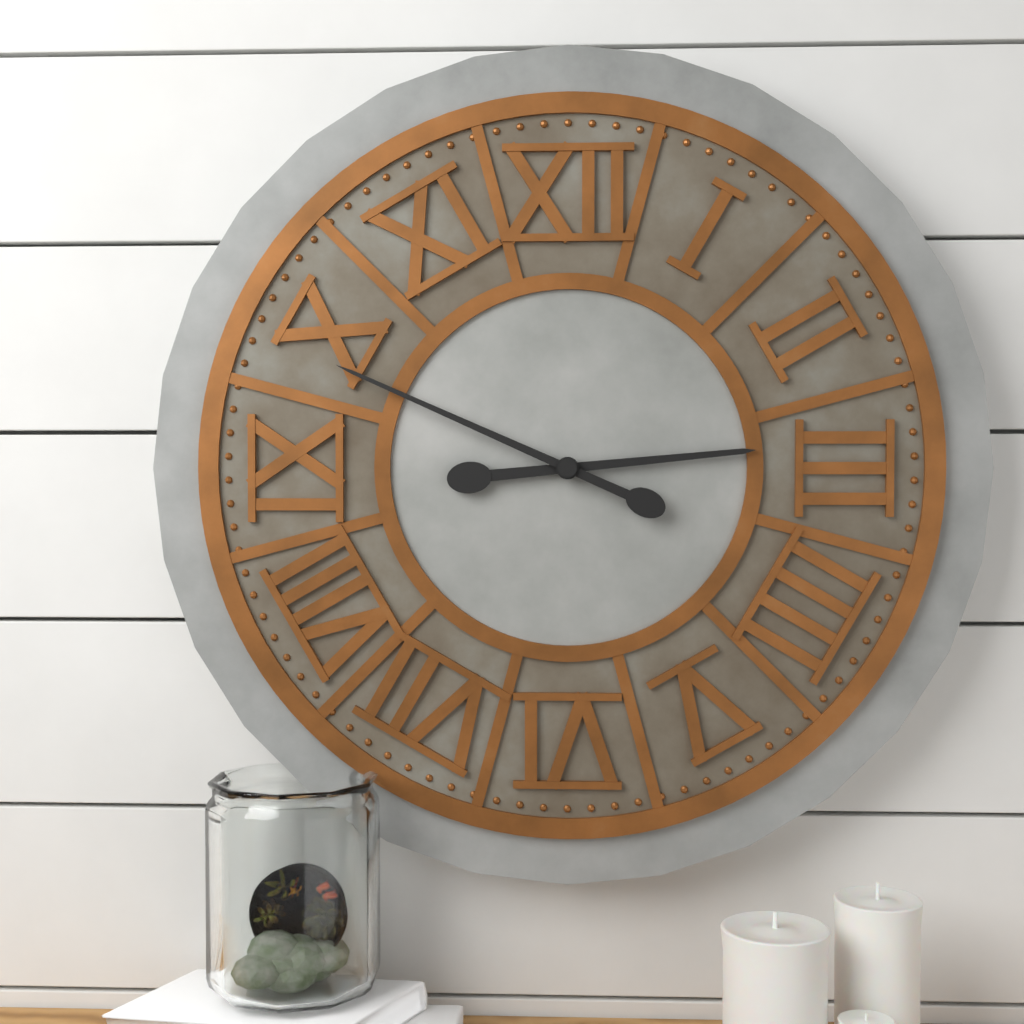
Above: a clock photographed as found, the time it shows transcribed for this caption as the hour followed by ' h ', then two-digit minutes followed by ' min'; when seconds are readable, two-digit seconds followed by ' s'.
2 h 49 min
